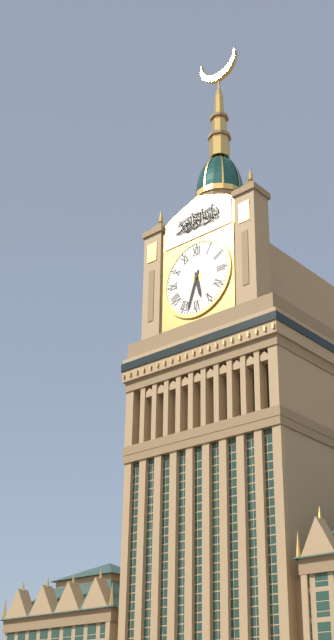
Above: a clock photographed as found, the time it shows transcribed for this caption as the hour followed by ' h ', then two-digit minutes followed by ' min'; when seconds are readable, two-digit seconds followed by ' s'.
5 h 33 min
